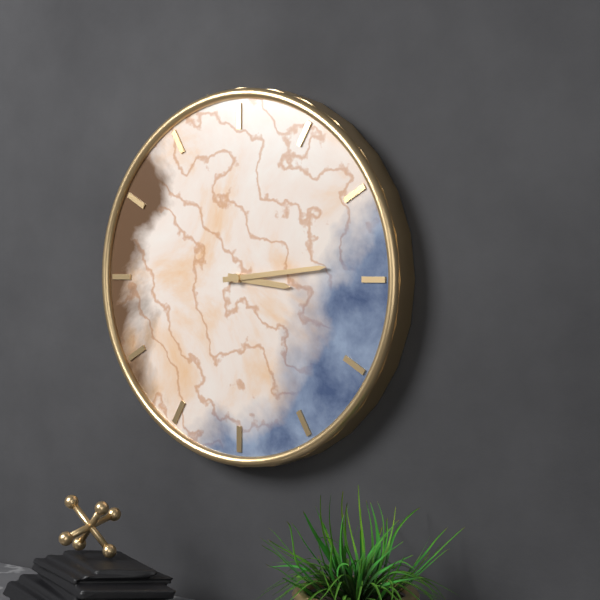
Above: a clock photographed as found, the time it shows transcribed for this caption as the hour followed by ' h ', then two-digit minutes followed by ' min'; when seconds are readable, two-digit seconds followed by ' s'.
3 h 14 min
